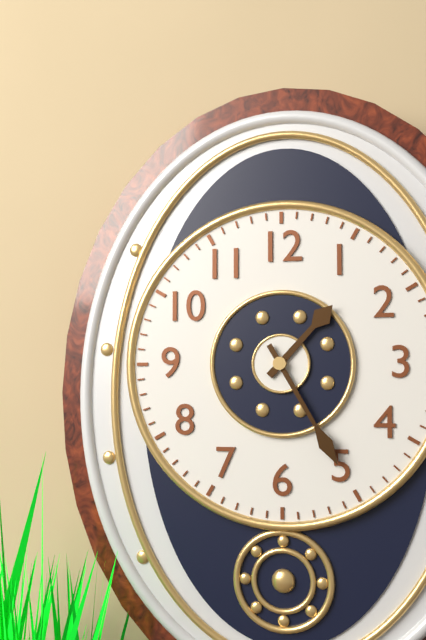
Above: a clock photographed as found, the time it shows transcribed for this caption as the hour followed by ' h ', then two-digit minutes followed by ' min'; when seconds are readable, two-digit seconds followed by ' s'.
1 h 25 min
